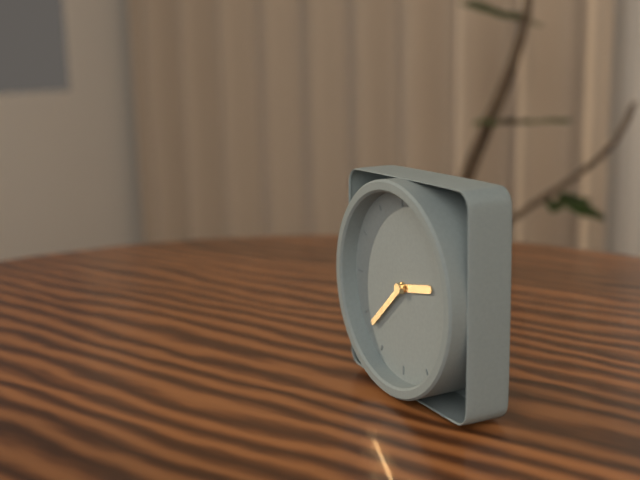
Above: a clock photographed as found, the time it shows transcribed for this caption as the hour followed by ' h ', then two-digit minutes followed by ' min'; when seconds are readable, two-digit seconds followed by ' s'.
2 h 38 min
